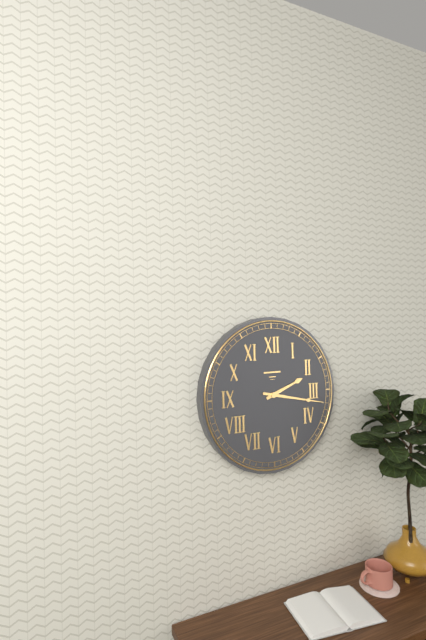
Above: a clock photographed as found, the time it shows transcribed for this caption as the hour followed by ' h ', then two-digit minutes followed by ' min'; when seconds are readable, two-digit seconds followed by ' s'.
2 h 17 min
